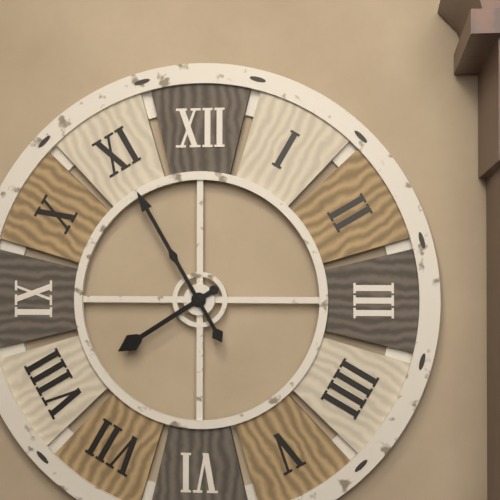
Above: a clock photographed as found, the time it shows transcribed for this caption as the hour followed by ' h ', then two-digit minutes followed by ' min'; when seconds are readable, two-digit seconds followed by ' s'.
7 h 55 min
